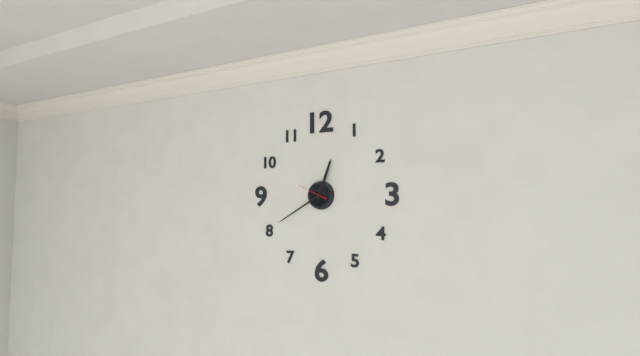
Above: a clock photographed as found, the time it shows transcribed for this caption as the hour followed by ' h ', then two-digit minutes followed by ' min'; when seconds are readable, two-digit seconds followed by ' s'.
12 h 40 min
